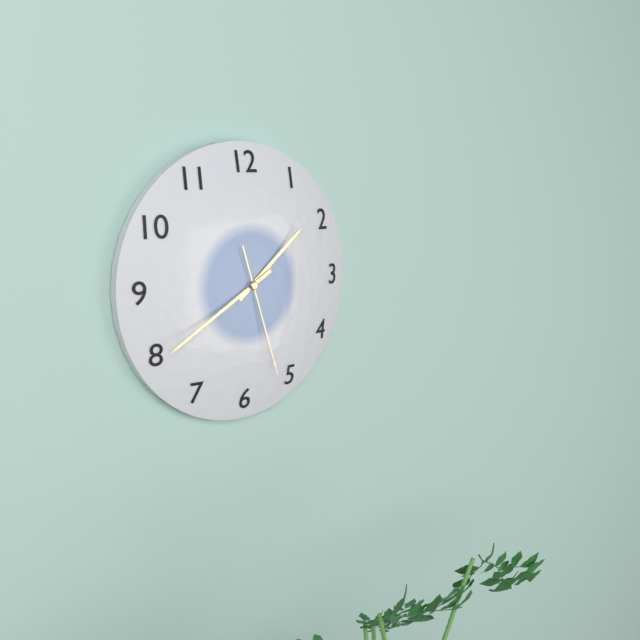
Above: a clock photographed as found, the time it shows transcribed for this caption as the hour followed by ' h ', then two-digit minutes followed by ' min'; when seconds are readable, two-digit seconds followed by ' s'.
1 h 40 min 27 s
